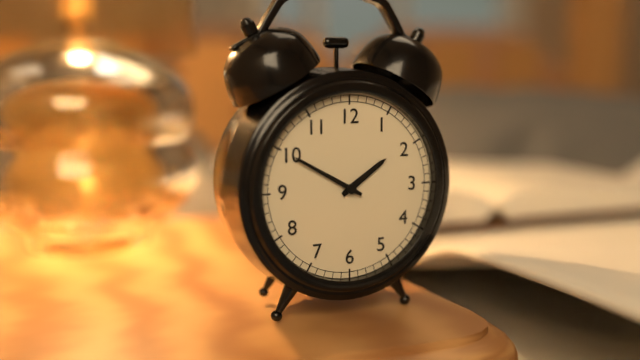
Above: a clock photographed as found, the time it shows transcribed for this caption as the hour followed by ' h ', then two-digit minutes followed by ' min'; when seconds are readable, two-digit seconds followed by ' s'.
1 h 50 min
